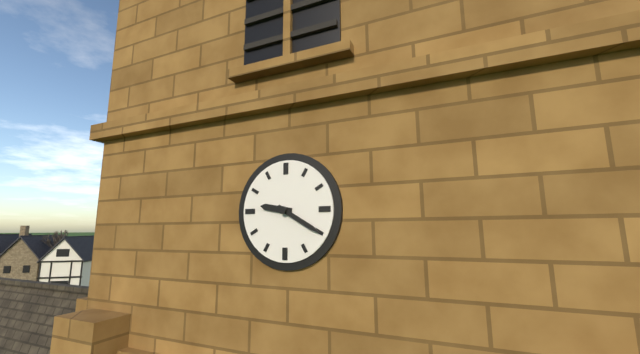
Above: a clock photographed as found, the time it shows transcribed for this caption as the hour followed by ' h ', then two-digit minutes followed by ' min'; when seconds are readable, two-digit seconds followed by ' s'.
9 h 20 min
